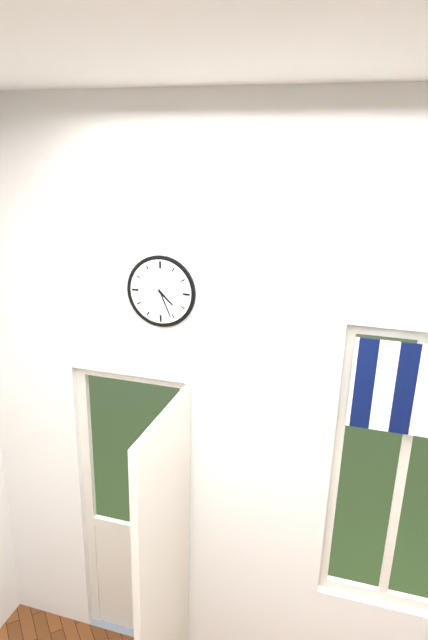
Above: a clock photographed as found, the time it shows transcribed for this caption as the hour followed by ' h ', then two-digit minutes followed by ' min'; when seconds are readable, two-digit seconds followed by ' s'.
4 h 26 min
